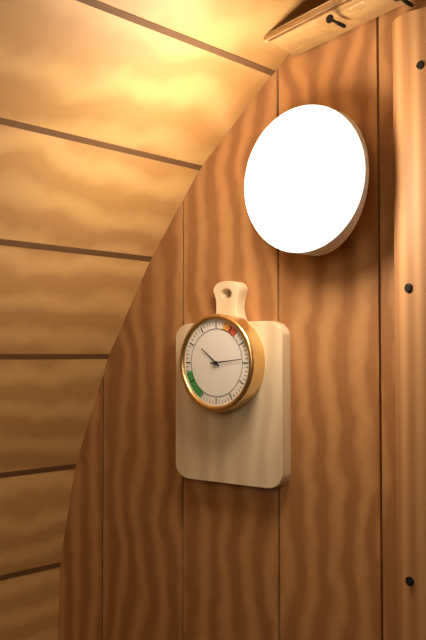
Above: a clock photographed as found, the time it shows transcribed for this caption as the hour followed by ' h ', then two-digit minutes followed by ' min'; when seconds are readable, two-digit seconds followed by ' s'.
10 h 14 min
